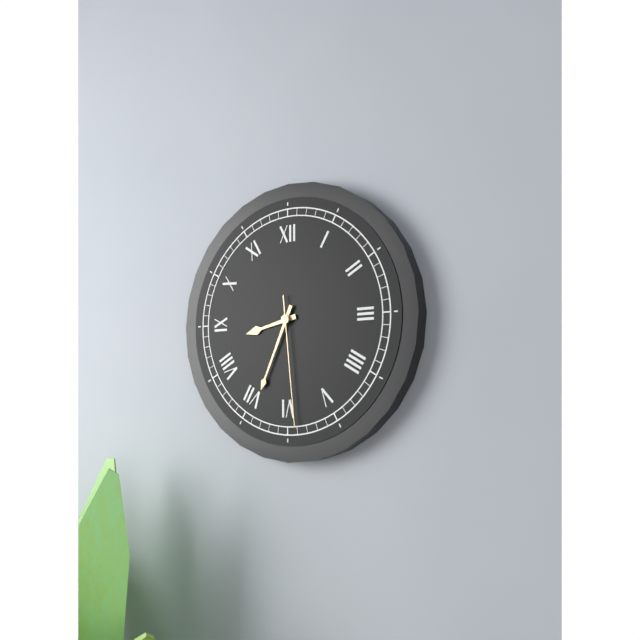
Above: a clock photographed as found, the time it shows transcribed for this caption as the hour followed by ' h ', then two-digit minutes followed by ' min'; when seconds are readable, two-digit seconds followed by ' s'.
8 h 34 min 29 s
